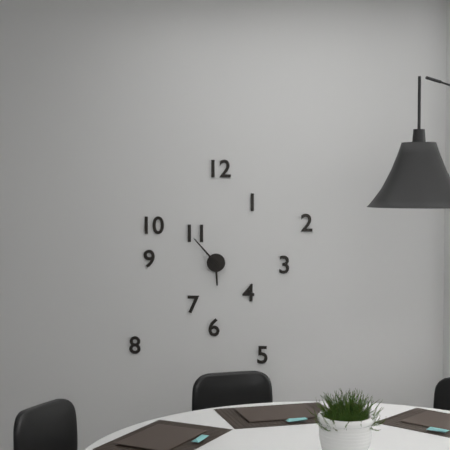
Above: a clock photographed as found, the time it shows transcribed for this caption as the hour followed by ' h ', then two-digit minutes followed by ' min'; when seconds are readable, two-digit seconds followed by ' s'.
5 h 53 min
